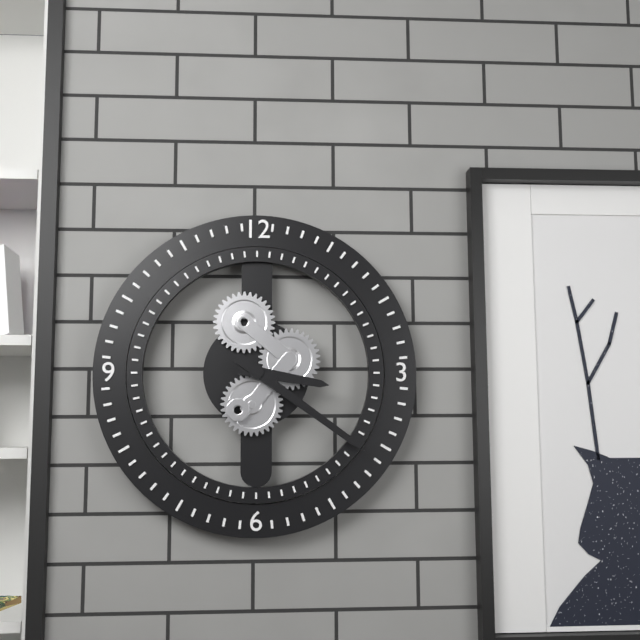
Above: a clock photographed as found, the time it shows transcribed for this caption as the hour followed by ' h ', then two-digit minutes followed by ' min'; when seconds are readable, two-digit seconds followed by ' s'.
3 h 21 min
